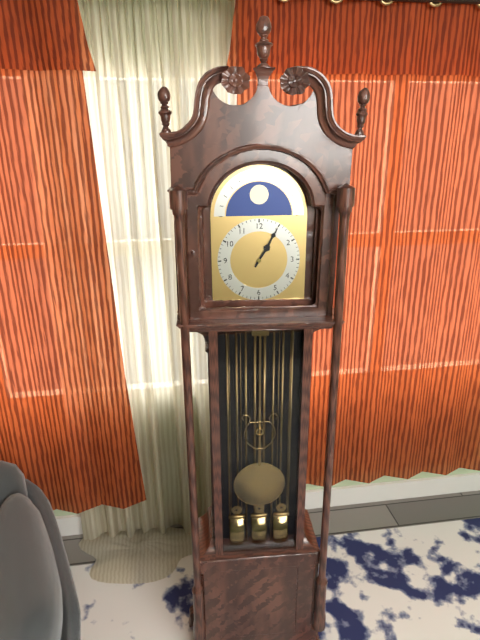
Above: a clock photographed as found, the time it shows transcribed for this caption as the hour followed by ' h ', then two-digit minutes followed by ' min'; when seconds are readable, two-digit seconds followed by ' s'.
1 h 05 min
